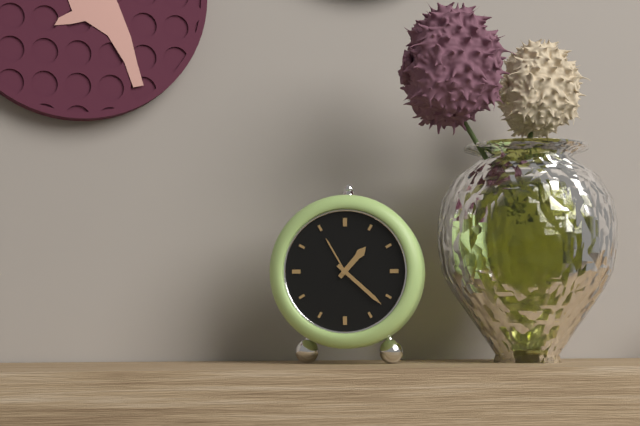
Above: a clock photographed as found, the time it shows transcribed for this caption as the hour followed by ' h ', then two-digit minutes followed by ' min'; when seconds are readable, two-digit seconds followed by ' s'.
1 h 22 min
